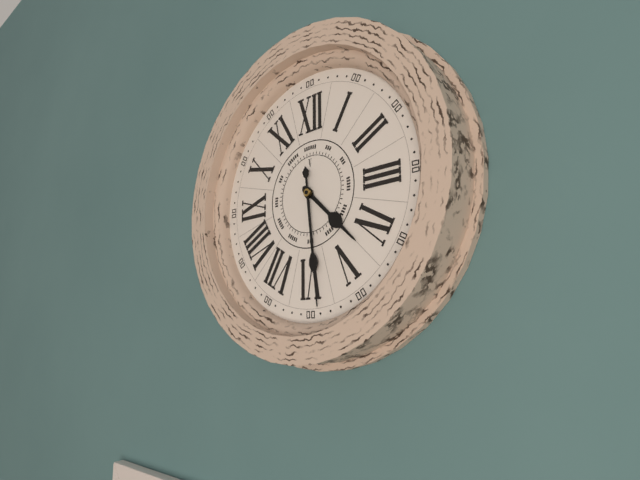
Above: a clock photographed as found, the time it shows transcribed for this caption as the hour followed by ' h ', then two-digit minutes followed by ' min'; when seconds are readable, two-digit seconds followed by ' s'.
4 h 29 min
